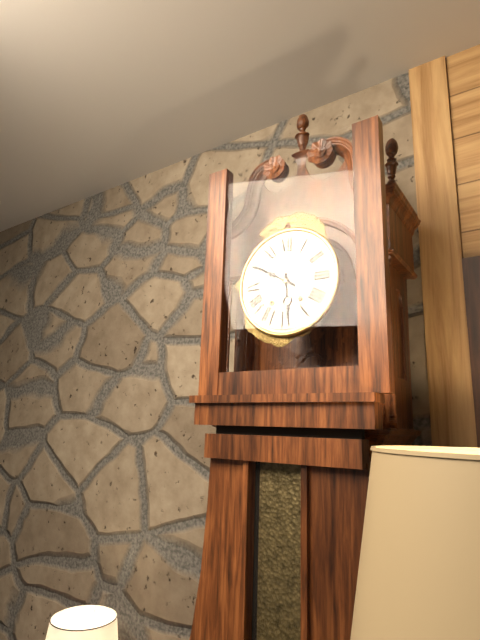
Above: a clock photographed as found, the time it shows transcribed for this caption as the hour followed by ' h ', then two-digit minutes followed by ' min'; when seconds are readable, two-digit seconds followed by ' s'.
5 h 50 min
